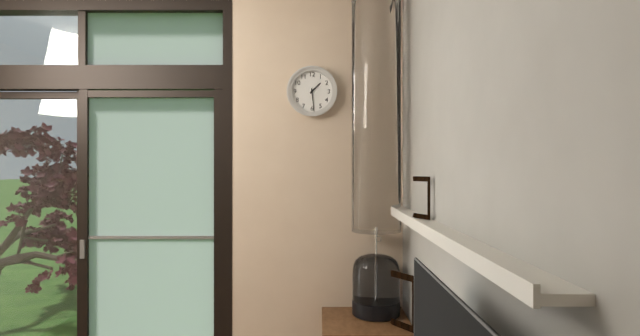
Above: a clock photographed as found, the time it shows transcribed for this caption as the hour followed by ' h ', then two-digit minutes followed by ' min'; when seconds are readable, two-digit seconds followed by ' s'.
1 h 29 min
